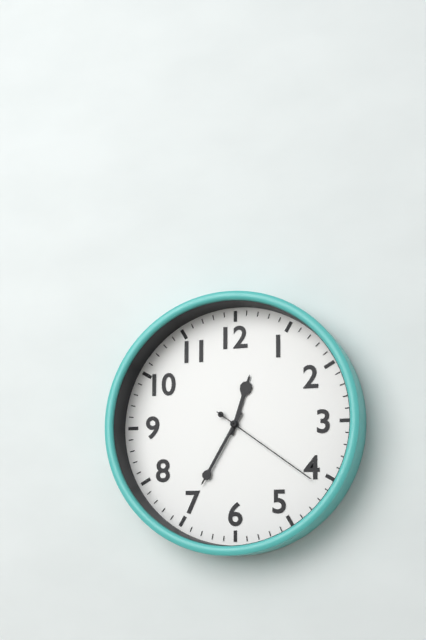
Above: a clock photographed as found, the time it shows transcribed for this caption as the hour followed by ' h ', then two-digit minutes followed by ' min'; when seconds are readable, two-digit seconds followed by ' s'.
12 h 35 min 21 s
